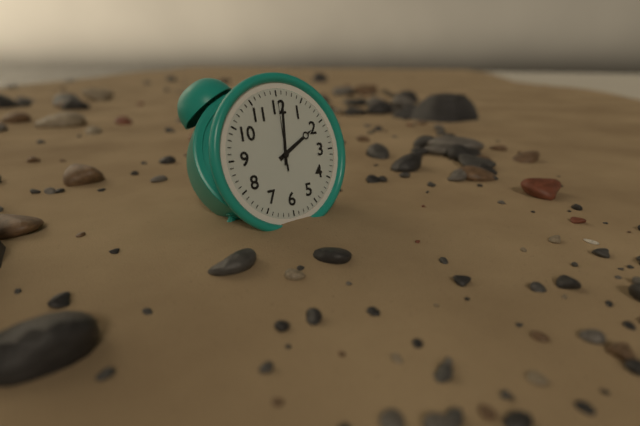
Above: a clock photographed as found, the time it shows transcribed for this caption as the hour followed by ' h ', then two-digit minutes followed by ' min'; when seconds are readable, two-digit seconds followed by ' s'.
2 h 01 min 00 s
